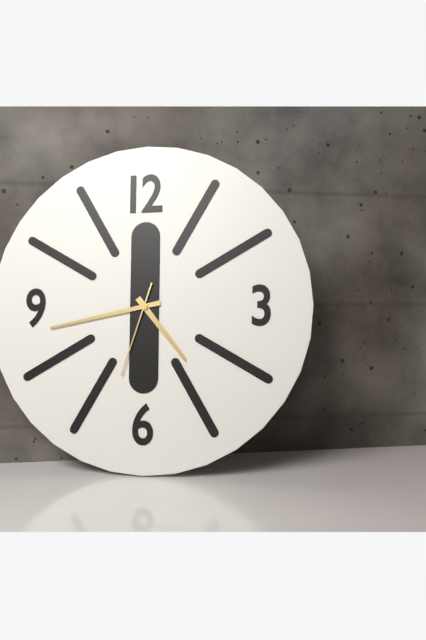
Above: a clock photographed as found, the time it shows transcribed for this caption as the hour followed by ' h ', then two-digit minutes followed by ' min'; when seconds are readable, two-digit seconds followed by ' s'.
4 h 43 min 33 s
